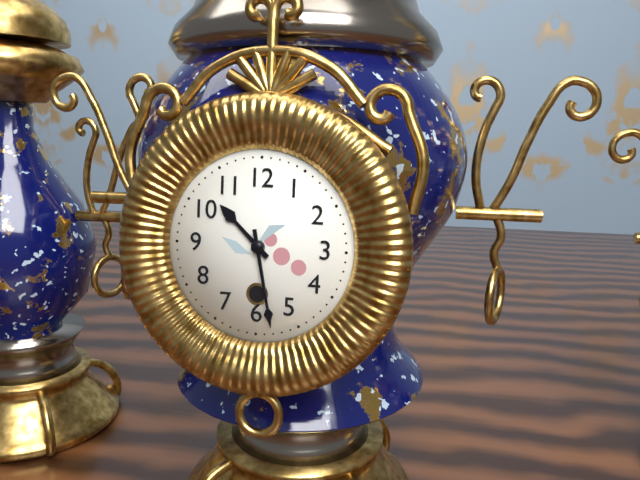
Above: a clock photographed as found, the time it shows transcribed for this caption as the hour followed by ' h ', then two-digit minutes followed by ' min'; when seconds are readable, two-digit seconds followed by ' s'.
10 h 28 min
